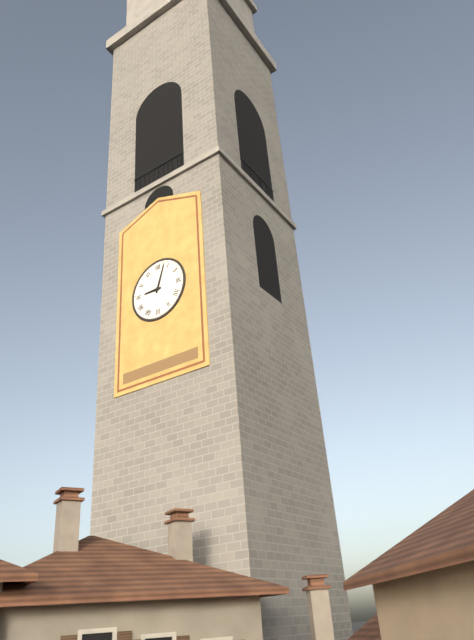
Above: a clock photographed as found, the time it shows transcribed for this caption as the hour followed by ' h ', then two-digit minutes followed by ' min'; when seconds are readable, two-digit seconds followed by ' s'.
9 h 03 min
